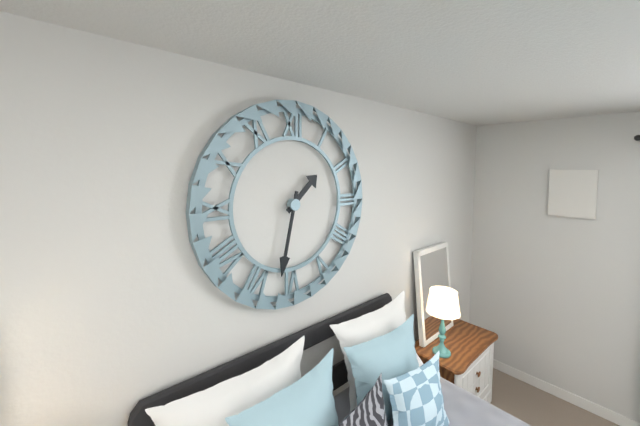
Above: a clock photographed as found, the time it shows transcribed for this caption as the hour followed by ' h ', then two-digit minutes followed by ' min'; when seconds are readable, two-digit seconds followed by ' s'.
1 h 32 min
